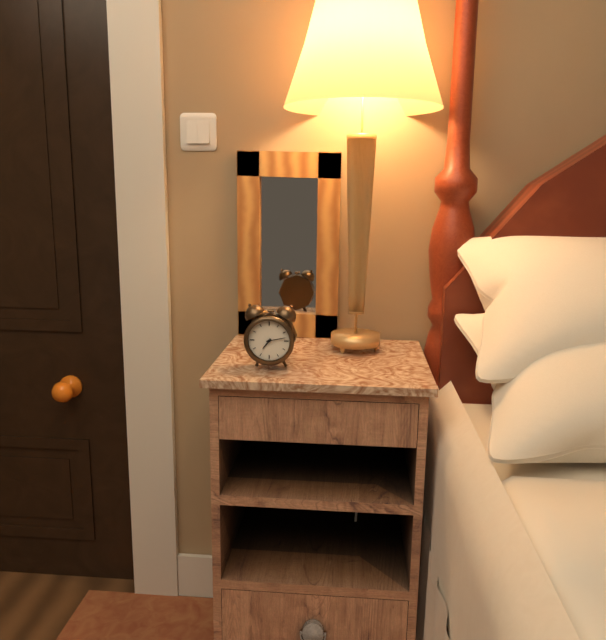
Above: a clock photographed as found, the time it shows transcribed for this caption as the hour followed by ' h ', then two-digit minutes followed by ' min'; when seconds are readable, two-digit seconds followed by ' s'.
7 h 13 min
